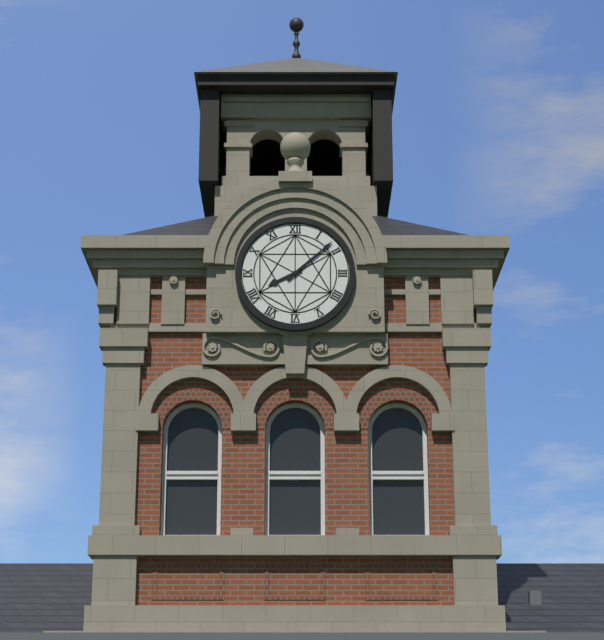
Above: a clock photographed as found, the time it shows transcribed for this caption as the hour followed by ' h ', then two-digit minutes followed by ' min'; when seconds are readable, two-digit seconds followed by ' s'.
8 h 08 min
